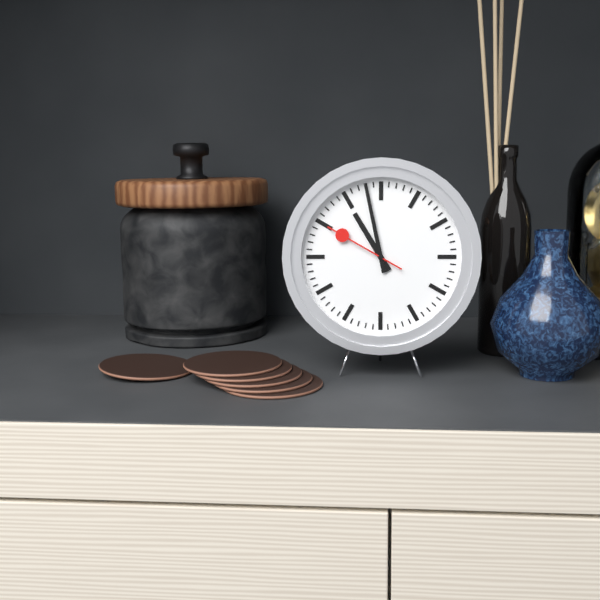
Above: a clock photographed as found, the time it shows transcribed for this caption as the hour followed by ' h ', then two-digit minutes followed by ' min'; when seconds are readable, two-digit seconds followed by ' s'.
10 h 58 min 50 s
